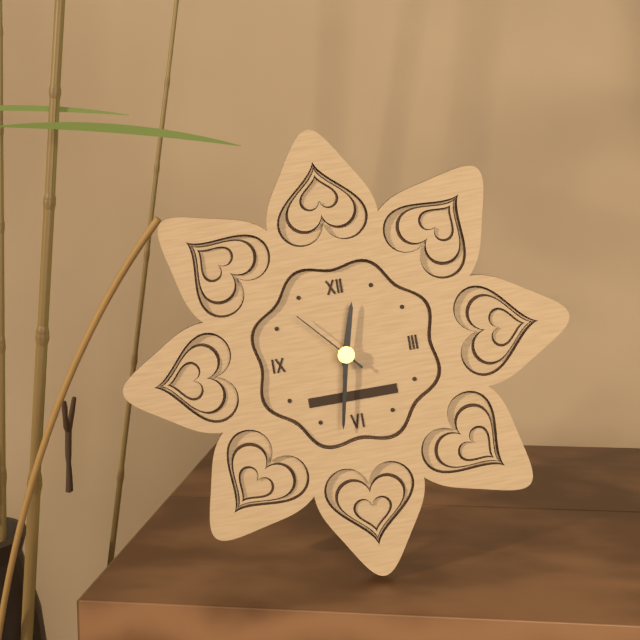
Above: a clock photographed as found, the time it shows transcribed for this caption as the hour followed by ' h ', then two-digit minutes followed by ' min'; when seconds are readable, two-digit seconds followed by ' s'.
12 h 32 min 53 s
